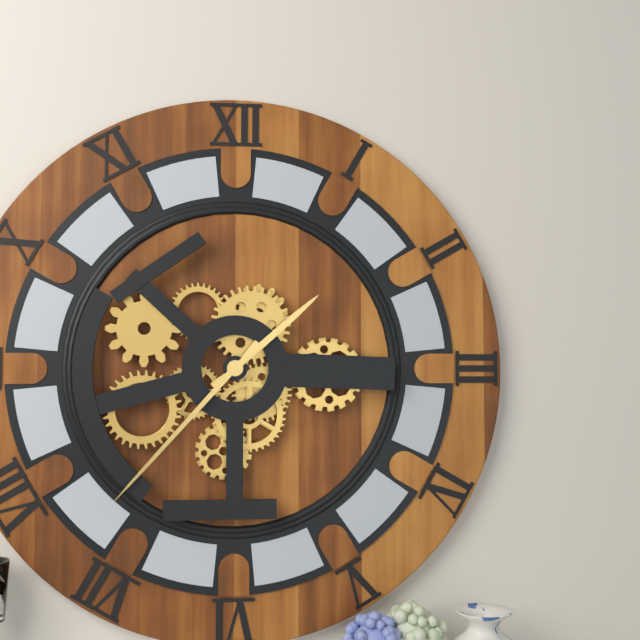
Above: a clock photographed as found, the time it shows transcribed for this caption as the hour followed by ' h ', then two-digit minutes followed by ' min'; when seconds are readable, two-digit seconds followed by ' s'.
1 h 37 min
